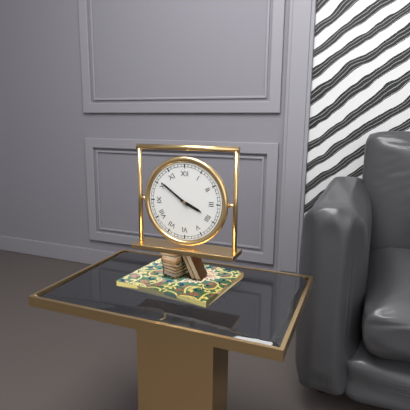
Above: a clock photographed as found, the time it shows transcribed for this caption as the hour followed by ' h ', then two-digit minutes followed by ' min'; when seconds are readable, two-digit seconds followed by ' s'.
3 h 51 min
